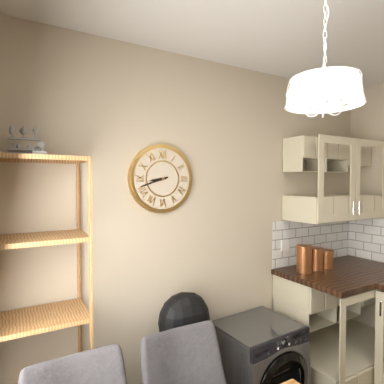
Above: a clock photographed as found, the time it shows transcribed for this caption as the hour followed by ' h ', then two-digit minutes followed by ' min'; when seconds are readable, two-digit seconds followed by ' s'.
8 h 42 min
